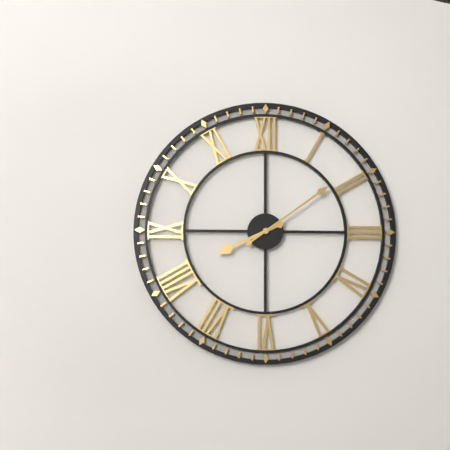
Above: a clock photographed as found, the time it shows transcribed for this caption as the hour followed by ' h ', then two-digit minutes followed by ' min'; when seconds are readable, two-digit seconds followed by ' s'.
8 h 09 min
